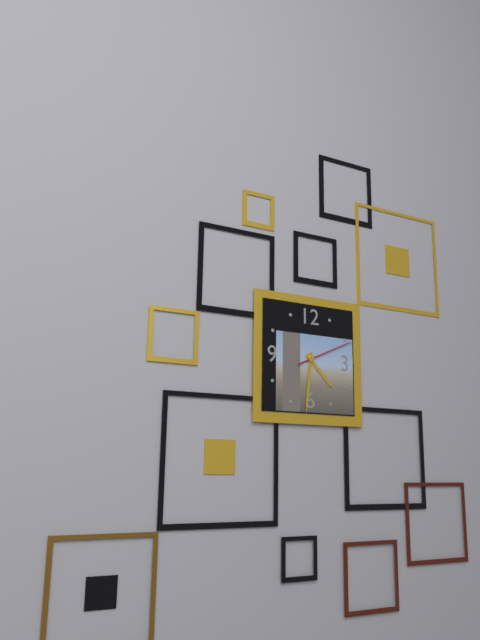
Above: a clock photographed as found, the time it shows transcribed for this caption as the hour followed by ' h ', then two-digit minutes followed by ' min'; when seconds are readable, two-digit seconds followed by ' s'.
4 h 31 min 11 s
